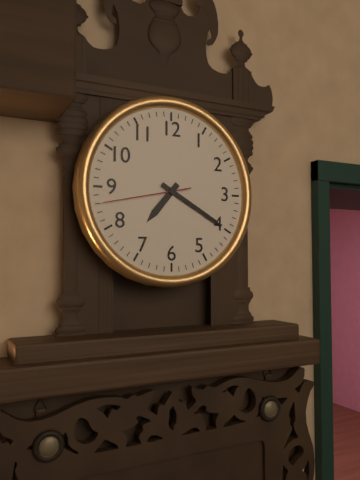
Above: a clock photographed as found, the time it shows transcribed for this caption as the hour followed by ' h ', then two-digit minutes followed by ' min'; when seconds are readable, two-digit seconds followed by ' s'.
7 h 20 min 43 s
